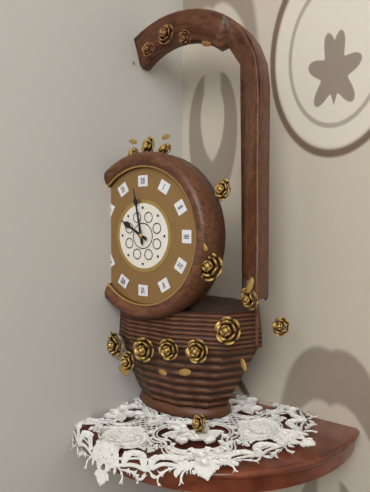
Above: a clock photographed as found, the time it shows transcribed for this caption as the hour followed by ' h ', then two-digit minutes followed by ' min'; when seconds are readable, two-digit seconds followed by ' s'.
9 h 58 min
